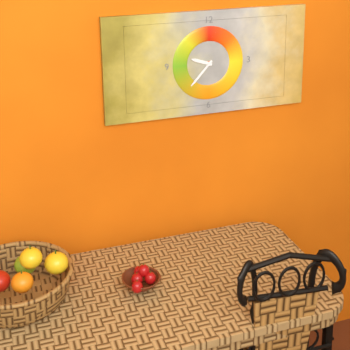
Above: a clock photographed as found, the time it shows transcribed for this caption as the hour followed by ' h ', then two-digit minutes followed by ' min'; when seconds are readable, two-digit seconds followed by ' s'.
9 h 37 min
